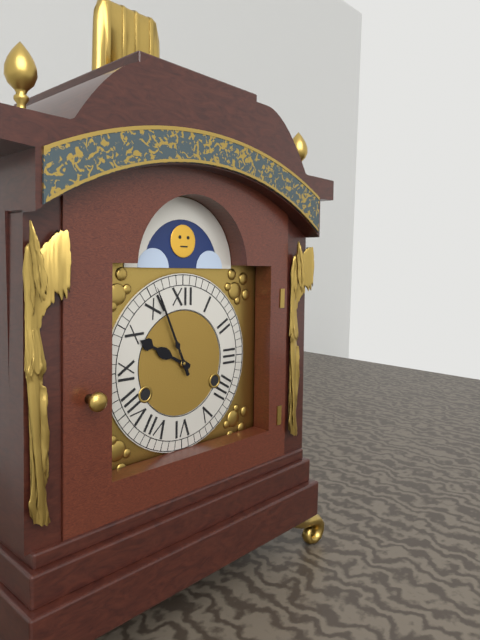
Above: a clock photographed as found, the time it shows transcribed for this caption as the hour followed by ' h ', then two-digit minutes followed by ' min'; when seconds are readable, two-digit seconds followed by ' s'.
9 h 56 min
